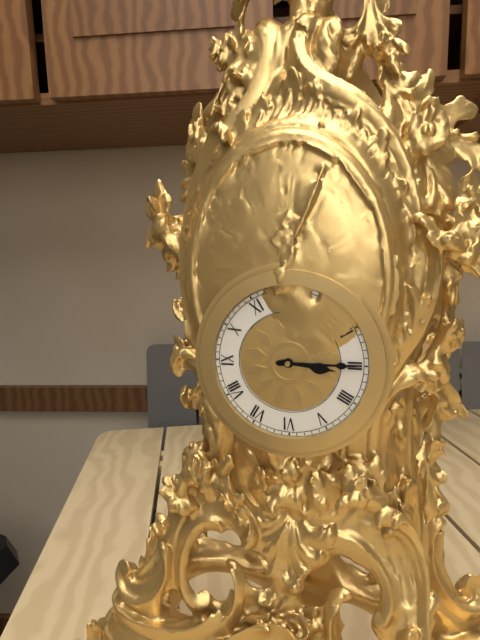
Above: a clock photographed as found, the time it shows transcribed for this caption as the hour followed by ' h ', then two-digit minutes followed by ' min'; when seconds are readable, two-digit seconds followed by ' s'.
3 h 15 min
